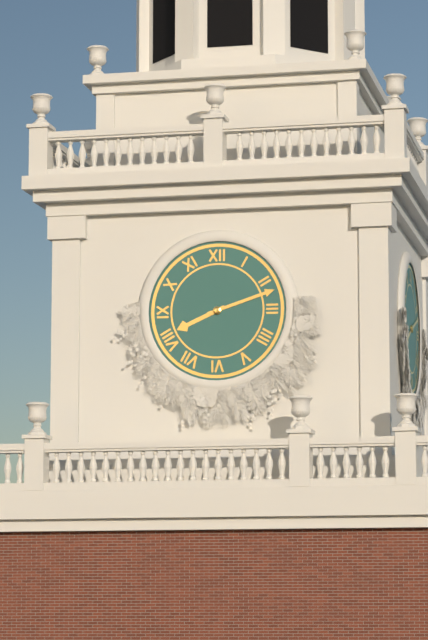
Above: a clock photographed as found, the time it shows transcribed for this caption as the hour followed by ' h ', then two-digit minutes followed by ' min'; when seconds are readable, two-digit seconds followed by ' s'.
8 h 12 min
